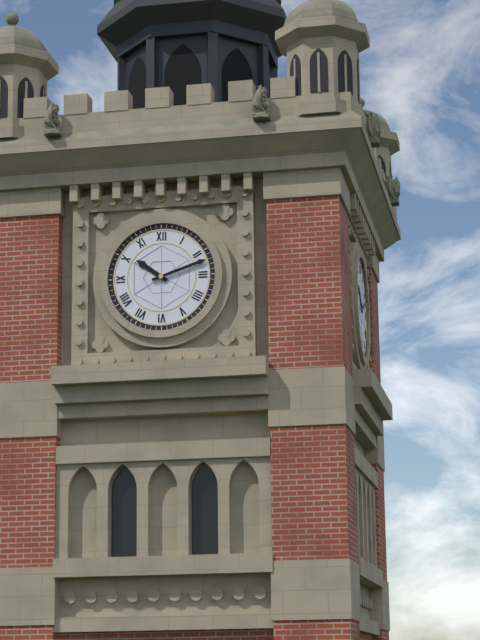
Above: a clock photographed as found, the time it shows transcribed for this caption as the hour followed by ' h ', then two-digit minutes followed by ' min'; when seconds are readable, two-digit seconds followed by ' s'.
10 h 12 min
